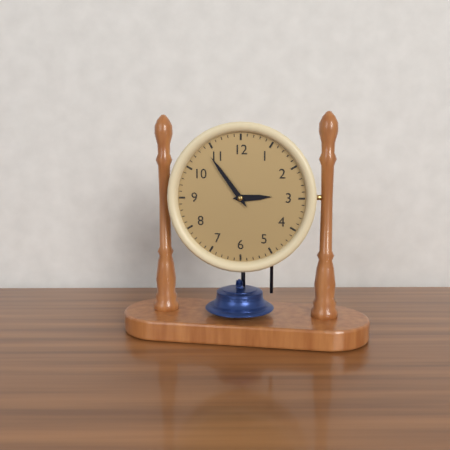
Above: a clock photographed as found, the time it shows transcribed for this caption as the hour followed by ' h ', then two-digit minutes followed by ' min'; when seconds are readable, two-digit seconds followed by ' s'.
2 h 54 min
